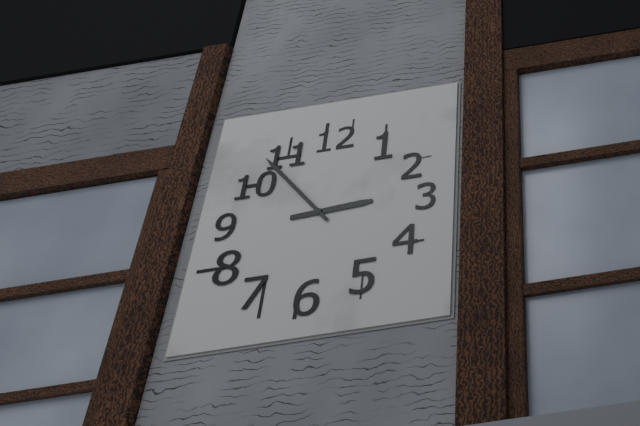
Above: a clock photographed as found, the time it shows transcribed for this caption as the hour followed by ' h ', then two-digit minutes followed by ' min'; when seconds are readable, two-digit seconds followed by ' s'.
2 h 53 min
